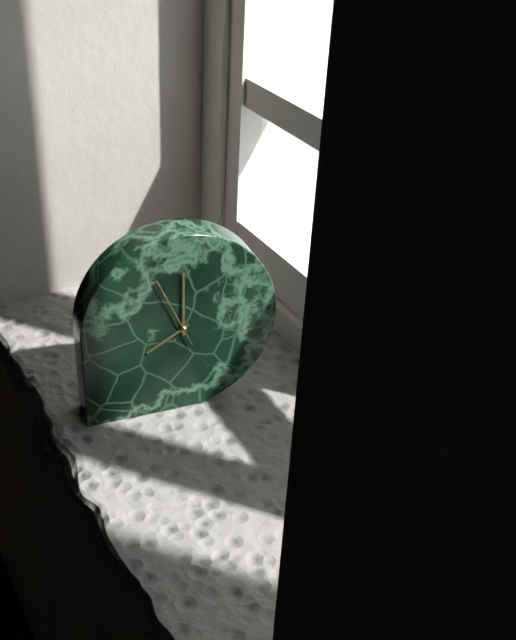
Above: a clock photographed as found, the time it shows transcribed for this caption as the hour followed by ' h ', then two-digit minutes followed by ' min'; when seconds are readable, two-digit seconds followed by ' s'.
8 h 00 min 56 s
